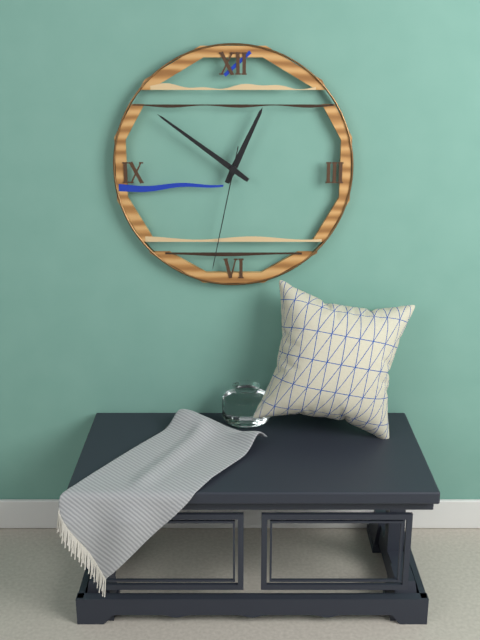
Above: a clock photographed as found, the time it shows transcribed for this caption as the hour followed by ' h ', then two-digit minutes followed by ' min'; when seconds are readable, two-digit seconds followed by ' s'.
12 h 51 min 32 s
